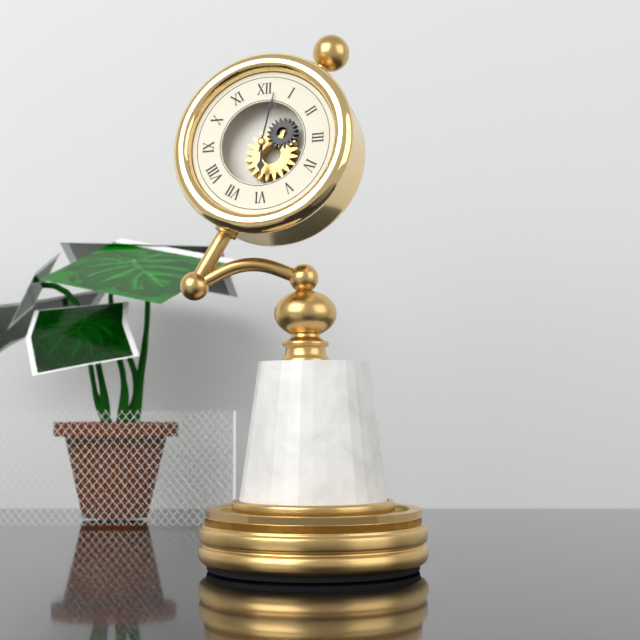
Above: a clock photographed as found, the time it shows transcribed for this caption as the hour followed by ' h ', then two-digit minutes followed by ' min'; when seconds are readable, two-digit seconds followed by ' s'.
6 h 02 min
